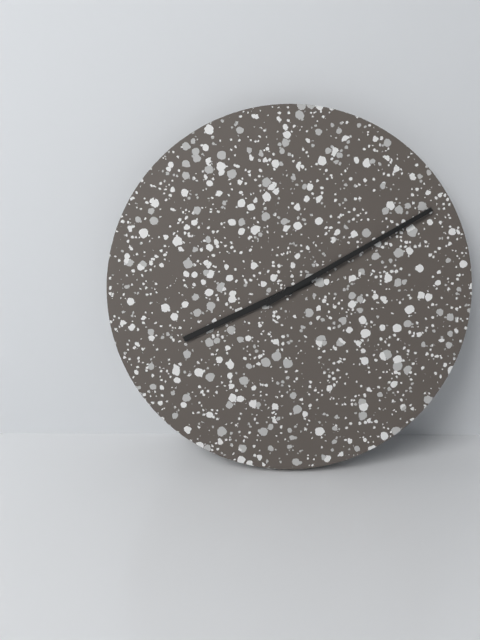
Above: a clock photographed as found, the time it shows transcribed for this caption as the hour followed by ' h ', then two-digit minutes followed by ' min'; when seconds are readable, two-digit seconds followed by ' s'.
8 h 10 min
